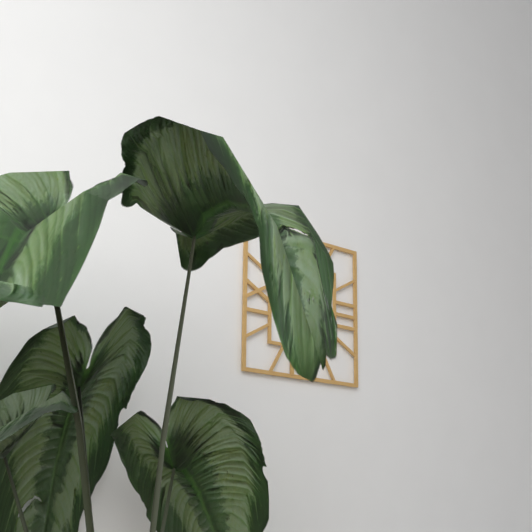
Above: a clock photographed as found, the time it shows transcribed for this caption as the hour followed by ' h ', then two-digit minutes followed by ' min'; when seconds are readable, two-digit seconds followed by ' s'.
3 h 56 min
